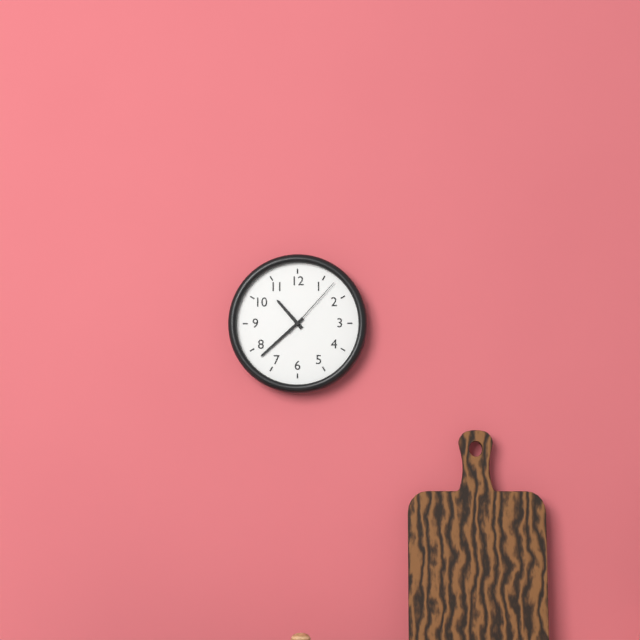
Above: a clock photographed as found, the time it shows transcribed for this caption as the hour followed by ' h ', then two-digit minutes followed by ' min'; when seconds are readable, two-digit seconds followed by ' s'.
10 h 38 min 07 s
